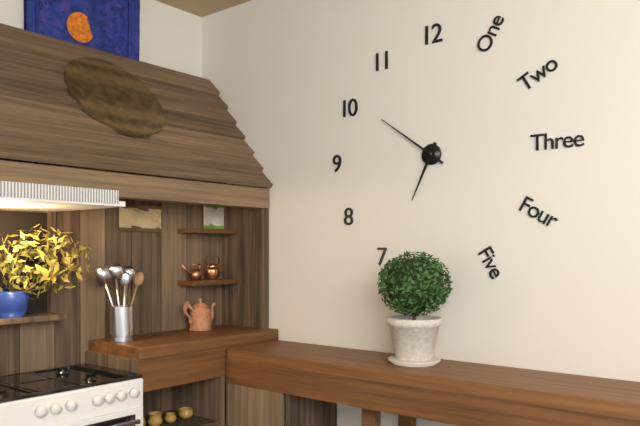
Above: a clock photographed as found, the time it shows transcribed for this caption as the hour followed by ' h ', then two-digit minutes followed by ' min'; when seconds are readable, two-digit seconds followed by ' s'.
6 h 51 min
